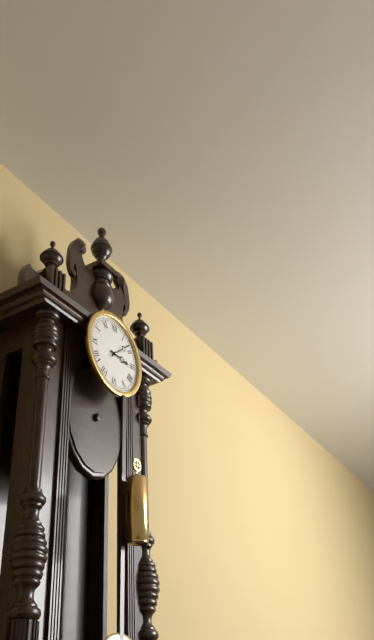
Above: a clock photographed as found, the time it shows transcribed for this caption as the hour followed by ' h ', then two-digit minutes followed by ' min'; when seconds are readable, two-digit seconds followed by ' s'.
3 h 08 min
